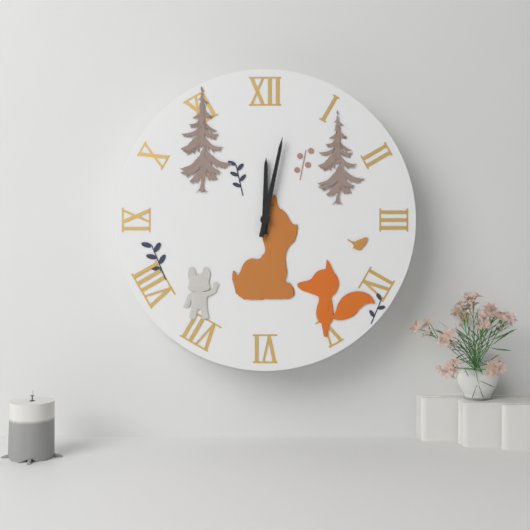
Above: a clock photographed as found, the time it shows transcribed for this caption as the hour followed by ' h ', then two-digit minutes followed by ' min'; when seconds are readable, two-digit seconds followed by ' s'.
12 h 02 min
